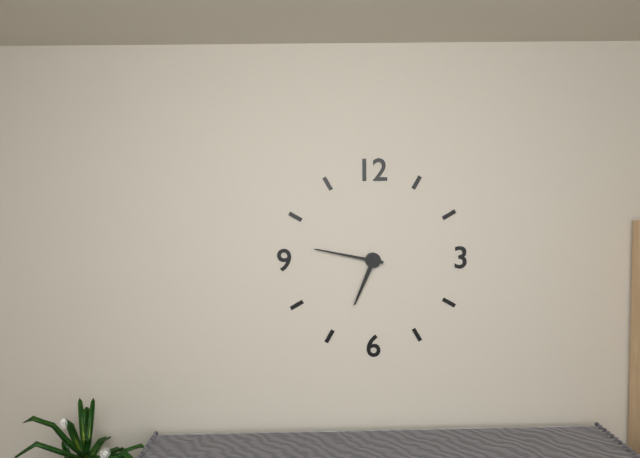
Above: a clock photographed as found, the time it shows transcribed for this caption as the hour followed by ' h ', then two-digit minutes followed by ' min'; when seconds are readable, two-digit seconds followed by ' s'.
6 h 47 min
